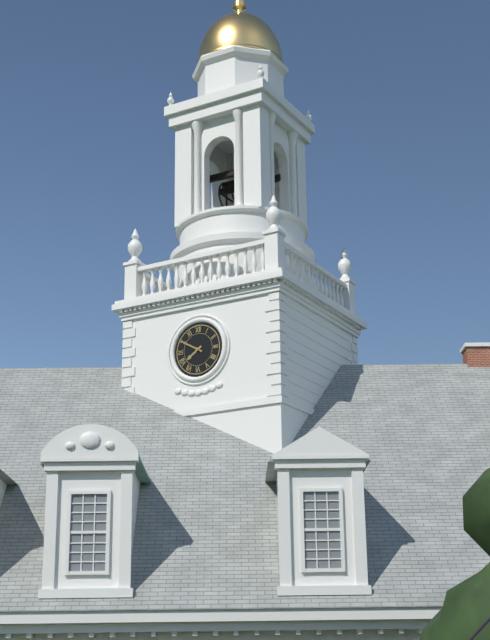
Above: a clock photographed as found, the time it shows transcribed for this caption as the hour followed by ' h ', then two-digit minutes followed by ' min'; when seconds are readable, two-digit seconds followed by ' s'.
7 h 50 min
